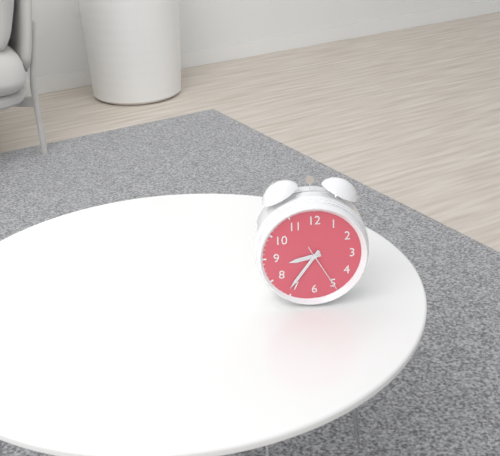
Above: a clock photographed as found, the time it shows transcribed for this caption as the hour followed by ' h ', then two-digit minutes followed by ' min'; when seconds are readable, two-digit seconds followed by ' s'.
8 h 36 min 25 s
